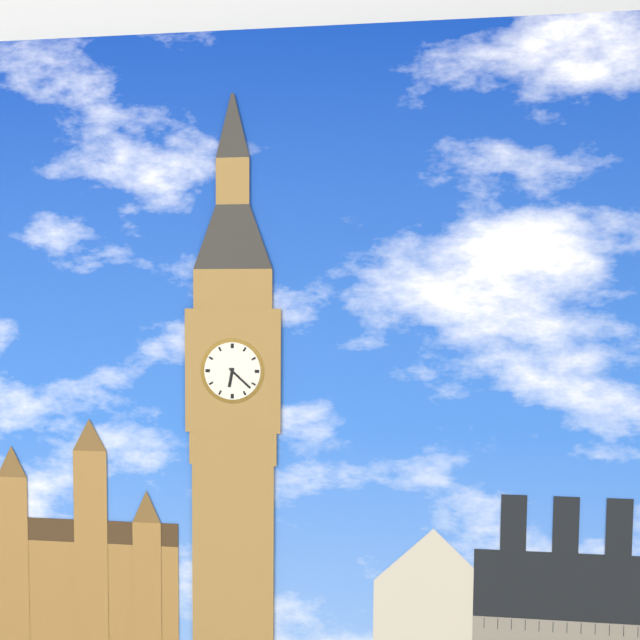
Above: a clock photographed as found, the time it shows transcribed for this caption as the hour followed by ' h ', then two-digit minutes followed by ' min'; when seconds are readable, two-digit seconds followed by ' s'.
6 h 22 min
